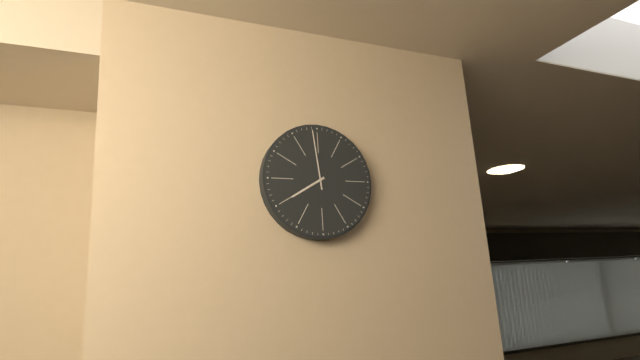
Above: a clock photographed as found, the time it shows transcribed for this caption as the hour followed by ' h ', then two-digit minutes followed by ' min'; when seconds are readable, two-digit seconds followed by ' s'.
7 h 59 min
